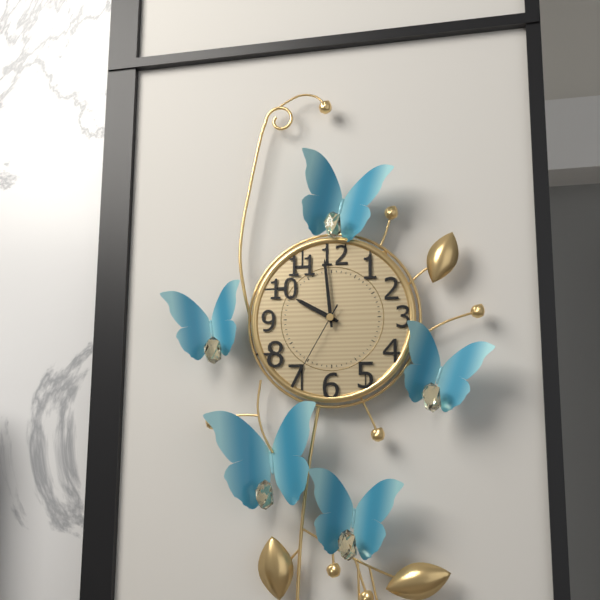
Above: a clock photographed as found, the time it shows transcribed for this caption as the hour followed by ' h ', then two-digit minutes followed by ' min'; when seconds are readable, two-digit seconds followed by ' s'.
9 h 59 min 35 s
